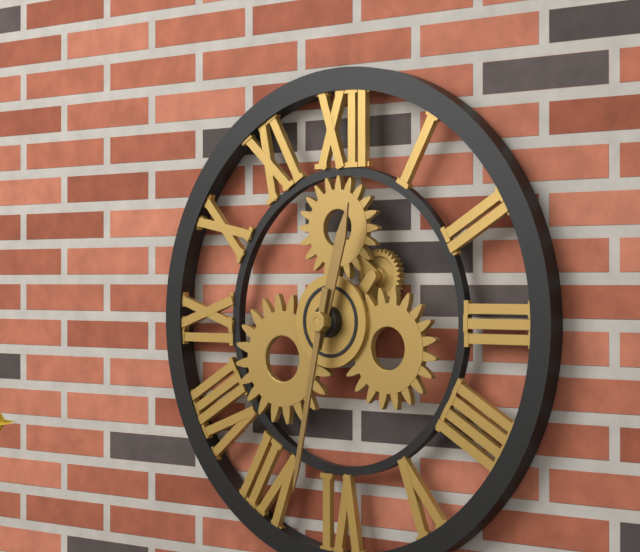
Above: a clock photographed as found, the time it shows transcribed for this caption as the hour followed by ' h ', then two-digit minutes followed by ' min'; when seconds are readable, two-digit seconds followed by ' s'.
12 h 32 min
